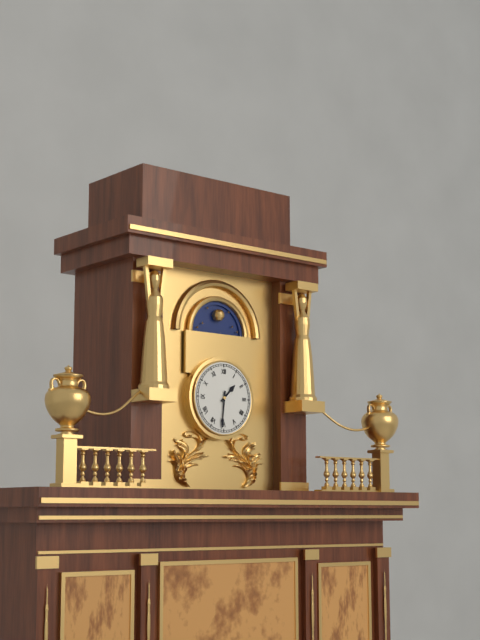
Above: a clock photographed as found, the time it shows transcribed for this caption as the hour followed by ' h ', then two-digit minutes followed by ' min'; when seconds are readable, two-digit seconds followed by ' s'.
1 h 31 min
